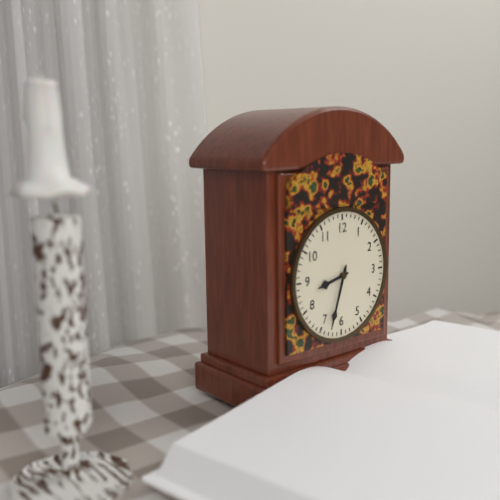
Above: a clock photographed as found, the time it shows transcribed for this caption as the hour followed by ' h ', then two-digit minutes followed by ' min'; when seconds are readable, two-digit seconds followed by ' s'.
8 h 33 min
